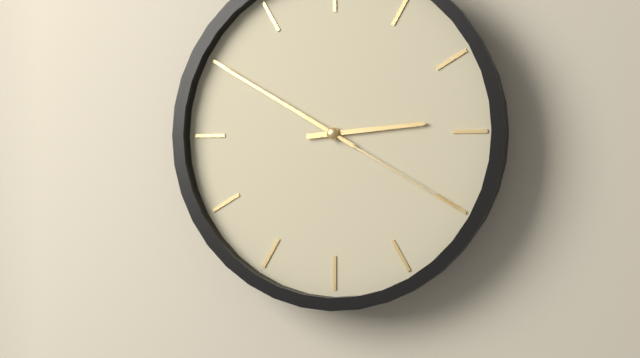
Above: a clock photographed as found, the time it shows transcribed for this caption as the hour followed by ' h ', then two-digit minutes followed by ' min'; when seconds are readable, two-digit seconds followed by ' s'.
2 h 50 min 20 s
